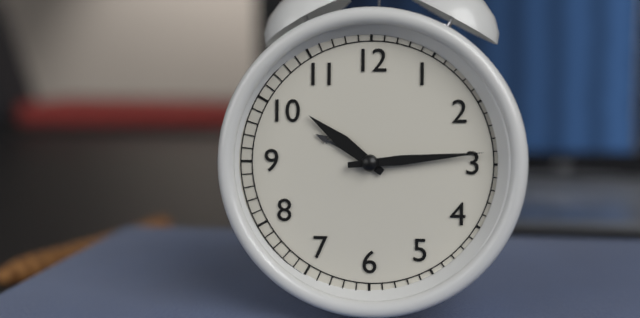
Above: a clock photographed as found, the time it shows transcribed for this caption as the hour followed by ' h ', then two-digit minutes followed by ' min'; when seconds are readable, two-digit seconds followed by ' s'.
10 h 14 min
